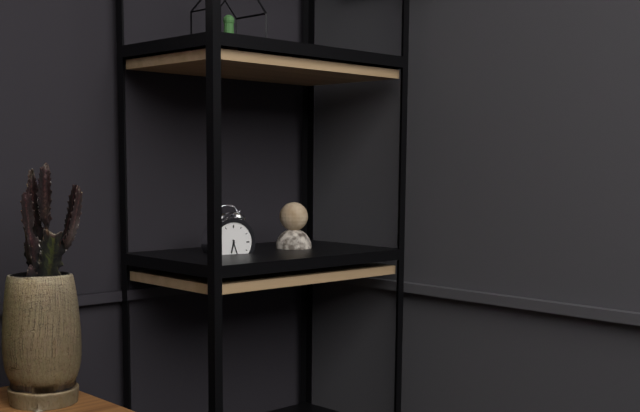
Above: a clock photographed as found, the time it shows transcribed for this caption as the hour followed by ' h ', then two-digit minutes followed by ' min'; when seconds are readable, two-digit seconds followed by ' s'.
6 h 27 min
